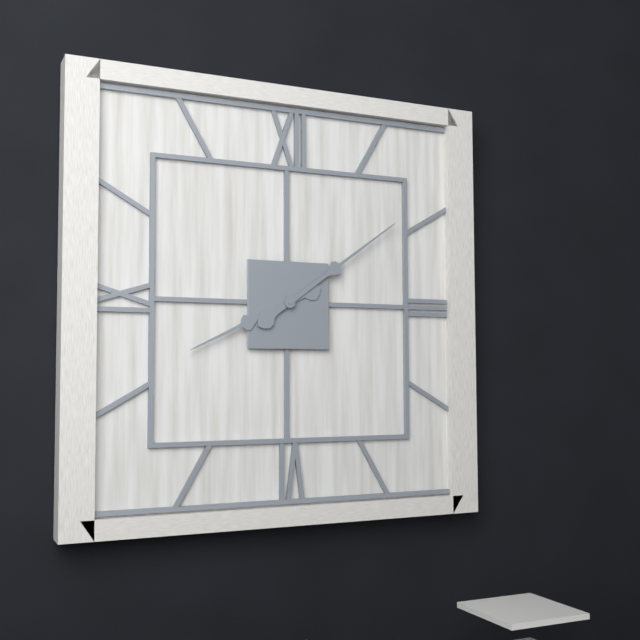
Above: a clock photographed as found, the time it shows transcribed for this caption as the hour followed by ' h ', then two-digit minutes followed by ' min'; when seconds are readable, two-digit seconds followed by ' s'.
8 h 09 min
